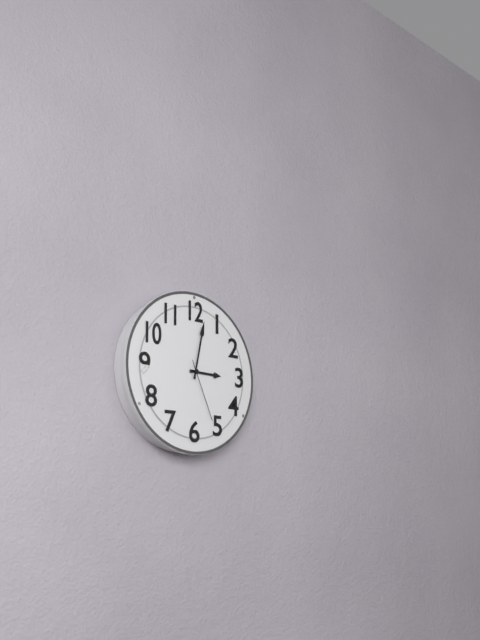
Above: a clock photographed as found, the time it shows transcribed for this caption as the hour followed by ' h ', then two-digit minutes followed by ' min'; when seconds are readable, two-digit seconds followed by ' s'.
3 h 02 min 26 s
